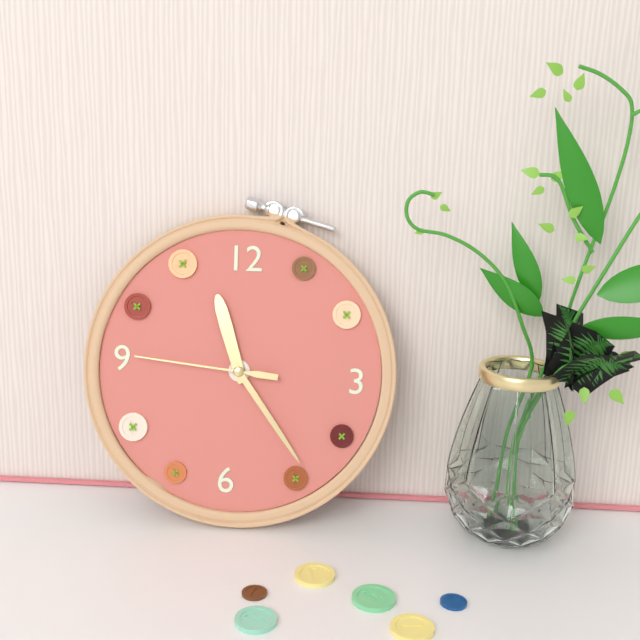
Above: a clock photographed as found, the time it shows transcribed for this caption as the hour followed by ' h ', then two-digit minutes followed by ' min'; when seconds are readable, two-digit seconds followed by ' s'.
11 h 24 min 46 s
